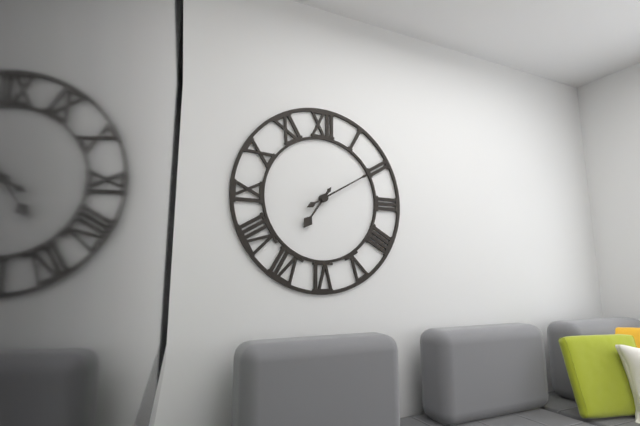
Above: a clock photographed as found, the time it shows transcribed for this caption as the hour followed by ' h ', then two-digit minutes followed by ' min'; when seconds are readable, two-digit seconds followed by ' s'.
7 h 10 min
